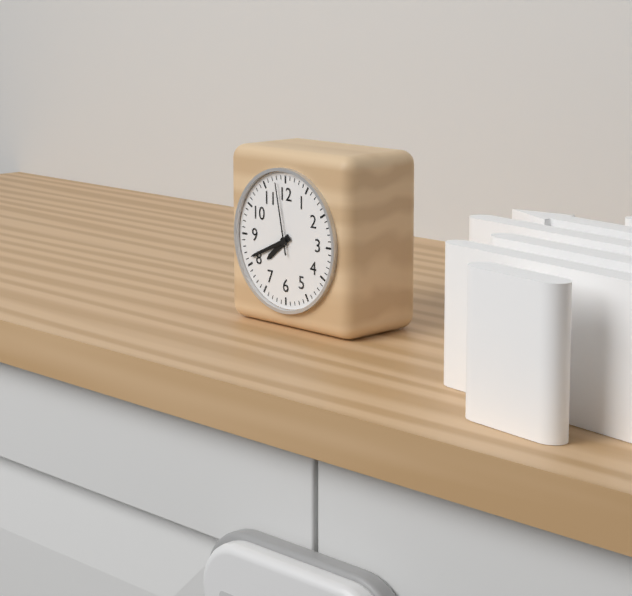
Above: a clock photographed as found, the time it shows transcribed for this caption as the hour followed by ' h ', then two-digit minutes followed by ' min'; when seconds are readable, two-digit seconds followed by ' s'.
7 h 41 min 58 s
